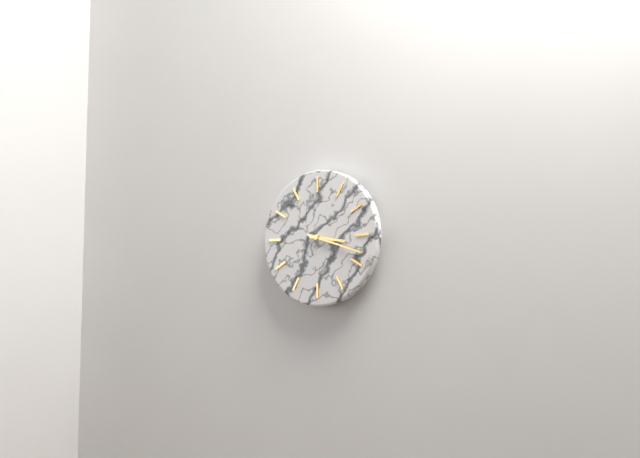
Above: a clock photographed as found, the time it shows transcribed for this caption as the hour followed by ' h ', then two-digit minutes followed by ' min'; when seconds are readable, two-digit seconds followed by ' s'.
3 h 18 min
